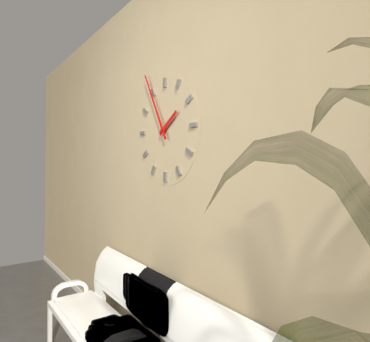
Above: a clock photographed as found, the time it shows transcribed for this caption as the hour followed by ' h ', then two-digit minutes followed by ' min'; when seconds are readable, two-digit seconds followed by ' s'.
1 h 55 min
